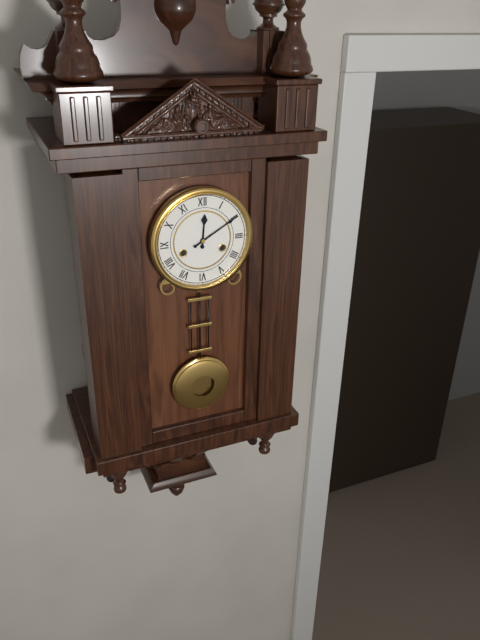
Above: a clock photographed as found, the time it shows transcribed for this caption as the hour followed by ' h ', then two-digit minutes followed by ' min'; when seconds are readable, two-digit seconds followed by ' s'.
12 h 10 min
